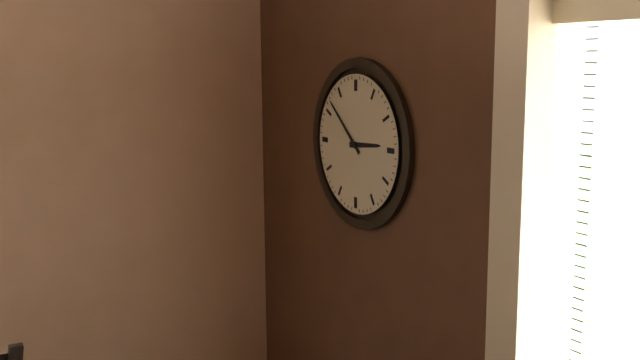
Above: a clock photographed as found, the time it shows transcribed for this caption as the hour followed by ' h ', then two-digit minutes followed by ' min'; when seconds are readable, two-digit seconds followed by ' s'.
2 h 52 min
